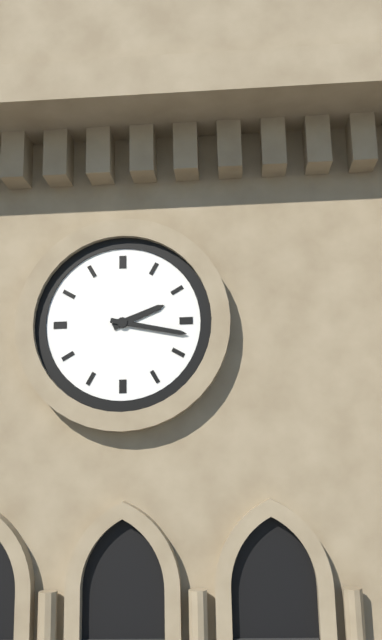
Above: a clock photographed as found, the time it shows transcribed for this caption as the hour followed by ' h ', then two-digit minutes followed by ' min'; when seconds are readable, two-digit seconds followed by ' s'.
2 h 17 min
